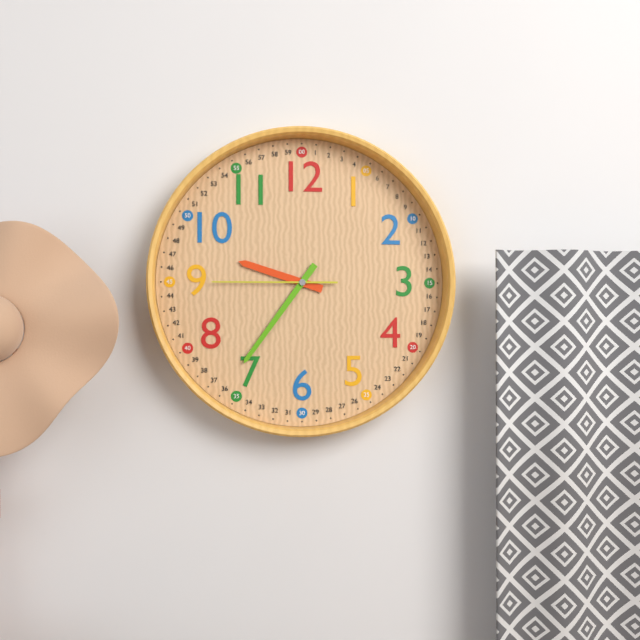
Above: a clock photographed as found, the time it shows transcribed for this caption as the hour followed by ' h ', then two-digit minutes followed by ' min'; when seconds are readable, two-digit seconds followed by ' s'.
9 h 36 min 45 s
